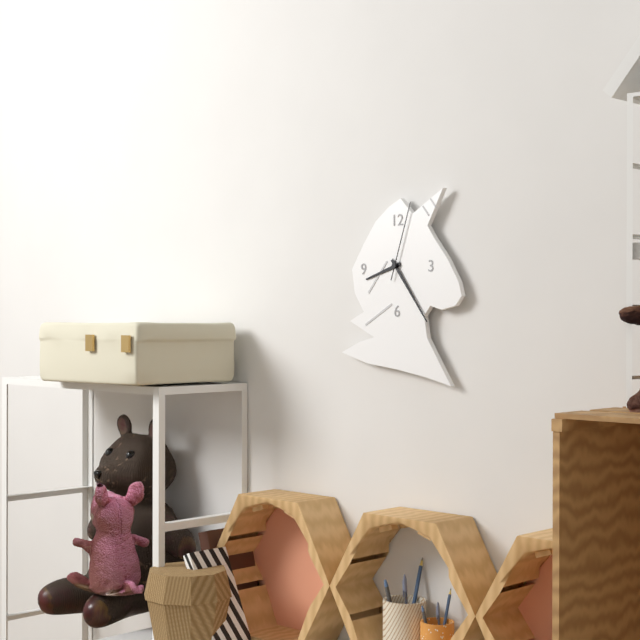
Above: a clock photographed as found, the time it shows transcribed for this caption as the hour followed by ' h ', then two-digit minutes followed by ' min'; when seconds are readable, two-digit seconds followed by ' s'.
8 h 24 min 03 s
